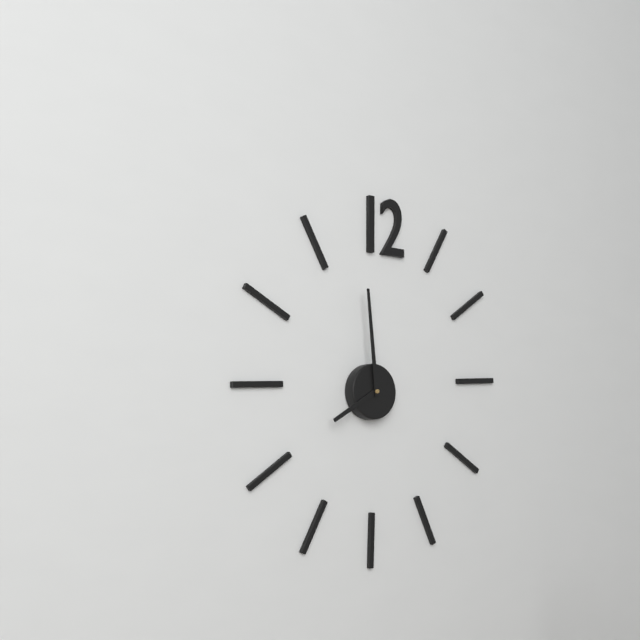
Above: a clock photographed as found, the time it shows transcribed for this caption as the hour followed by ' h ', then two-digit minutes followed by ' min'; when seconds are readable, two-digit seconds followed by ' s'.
7 h 59 min
